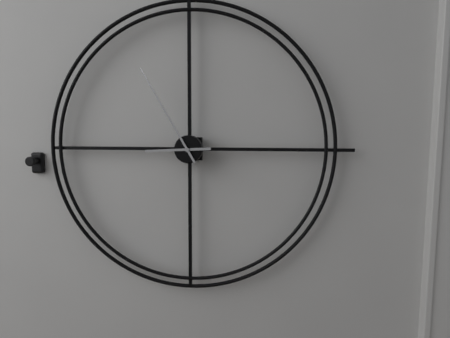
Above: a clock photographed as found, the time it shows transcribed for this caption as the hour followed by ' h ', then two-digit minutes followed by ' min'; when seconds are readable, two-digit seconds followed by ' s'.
8 h 55 min
